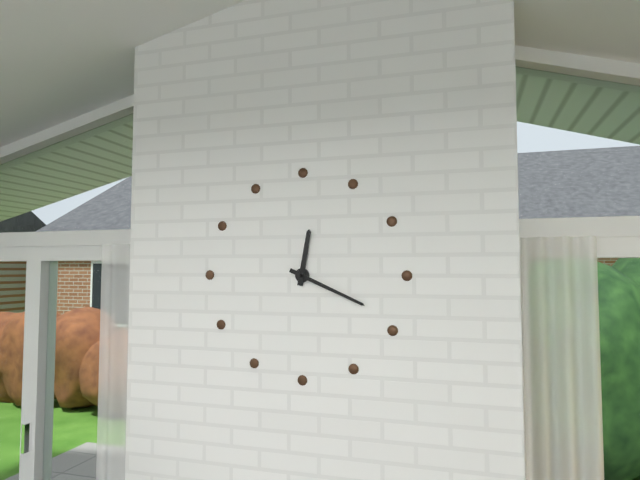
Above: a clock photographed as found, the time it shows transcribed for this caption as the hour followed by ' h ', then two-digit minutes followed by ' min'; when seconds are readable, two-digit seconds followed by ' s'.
12 h 19 min
